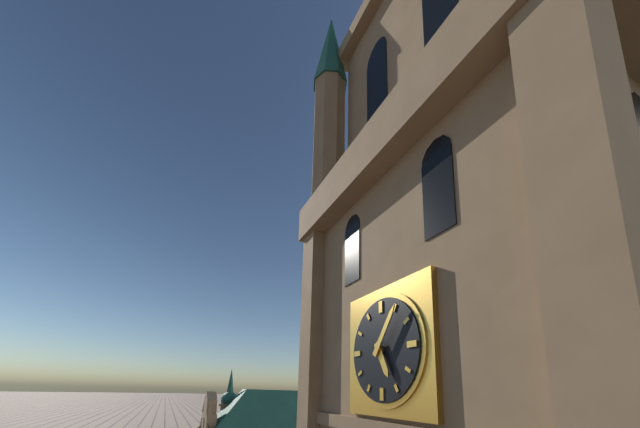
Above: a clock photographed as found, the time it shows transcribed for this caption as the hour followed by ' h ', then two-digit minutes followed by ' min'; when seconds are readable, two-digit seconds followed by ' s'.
5 h 06 min
